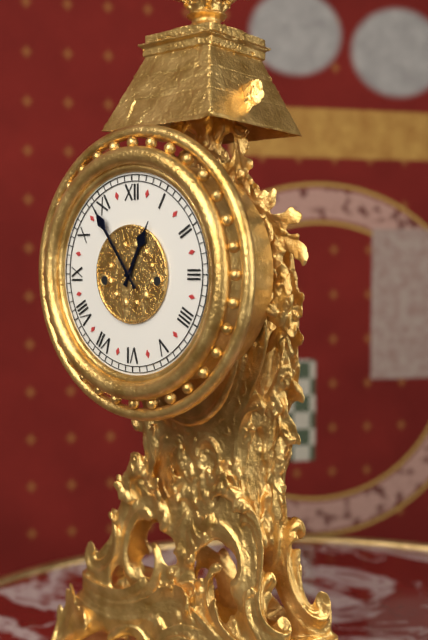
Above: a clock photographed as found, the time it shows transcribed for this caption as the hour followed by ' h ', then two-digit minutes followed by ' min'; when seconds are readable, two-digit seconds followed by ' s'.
12 h 54 min
